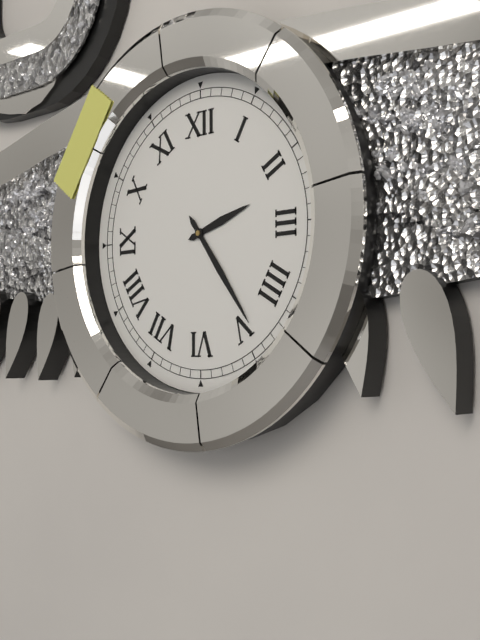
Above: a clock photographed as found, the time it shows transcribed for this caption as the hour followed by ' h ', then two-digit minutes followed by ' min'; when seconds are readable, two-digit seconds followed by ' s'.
2 h 24 min
